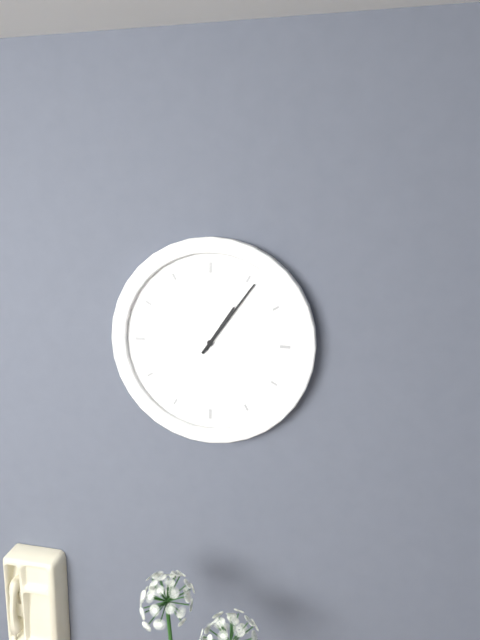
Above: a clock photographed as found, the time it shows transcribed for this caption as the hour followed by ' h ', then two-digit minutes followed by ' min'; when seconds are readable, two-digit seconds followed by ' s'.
1 h 06 min
